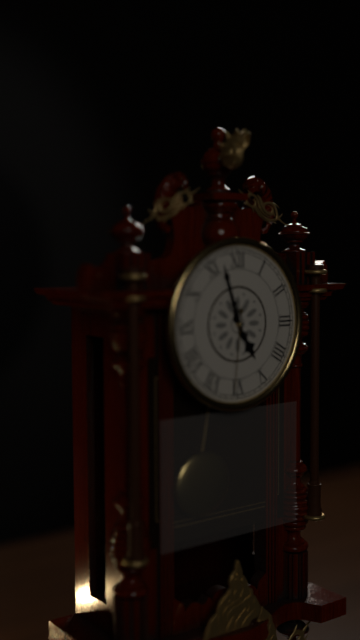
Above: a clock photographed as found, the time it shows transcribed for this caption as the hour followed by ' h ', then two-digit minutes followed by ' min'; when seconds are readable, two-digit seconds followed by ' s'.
4 h 57 min 31 s
